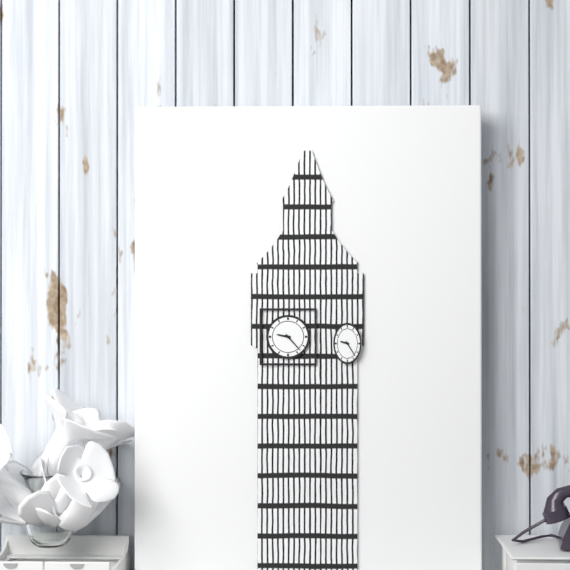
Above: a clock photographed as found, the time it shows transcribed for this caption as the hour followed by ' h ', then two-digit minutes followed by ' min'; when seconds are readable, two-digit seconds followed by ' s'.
9 h 23 min
